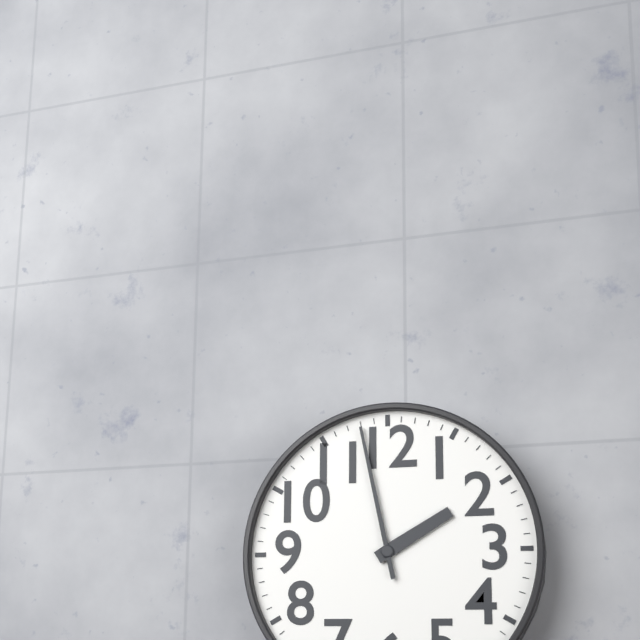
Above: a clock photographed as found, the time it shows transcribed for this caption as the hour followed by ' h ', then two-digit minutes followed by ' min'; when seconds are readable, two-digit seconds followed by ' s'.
1 h 58 min
